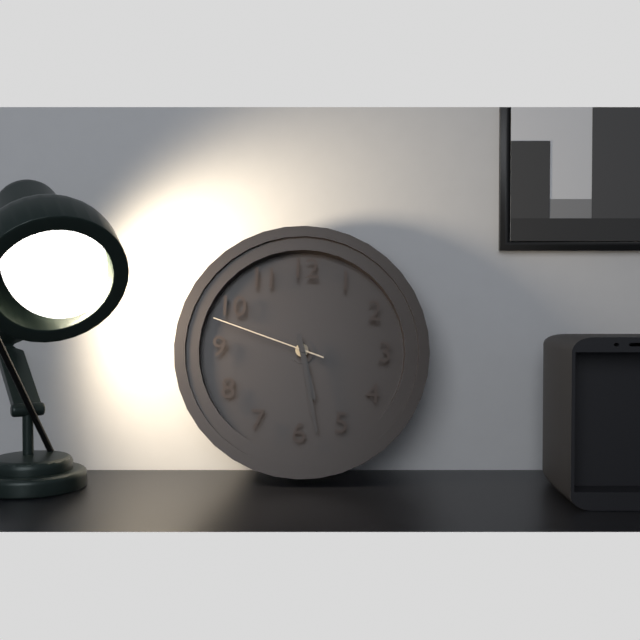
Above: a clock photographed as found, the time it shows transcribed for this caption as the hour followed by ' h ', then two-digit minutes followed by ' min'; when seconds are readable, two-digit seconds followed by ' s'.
5 h 28 min 48 s
